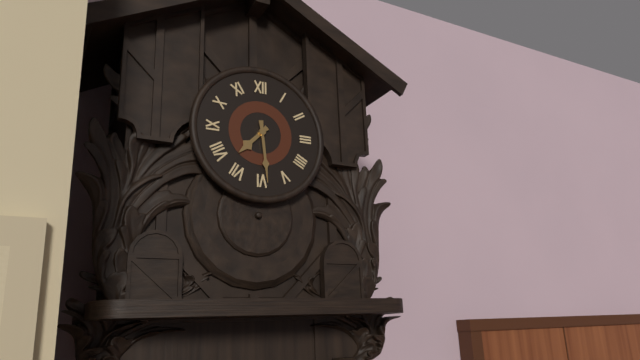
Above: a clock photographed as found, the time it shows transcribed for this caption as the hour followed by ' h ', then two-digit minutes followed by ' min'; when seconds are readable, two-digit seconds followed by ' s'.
7 h 29 min
